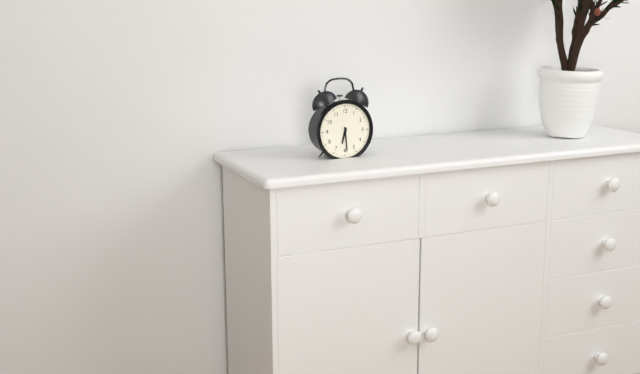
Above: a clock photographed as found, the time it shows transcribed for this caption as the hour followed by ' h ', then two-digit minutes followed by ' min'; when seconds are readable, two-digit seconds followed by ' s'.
6 h 29 min
